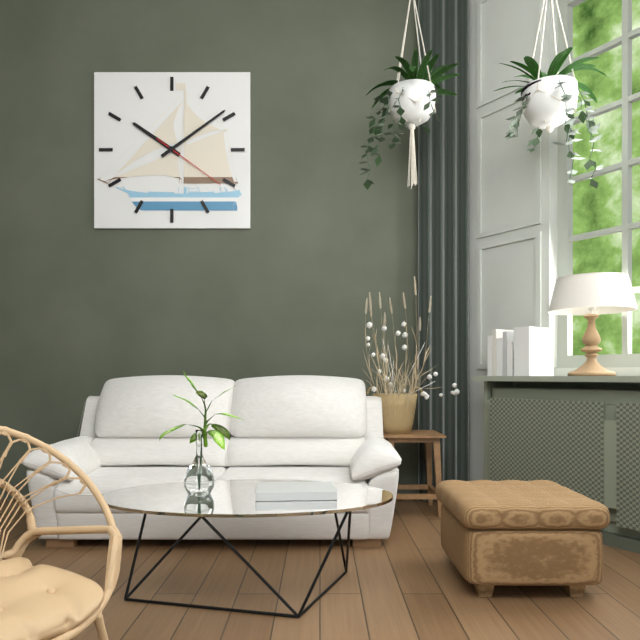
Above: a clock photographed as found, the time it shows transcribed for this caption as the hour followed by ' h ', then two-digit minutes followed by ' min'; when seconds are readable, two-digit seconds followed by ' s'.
10 h 09 min 21 s
